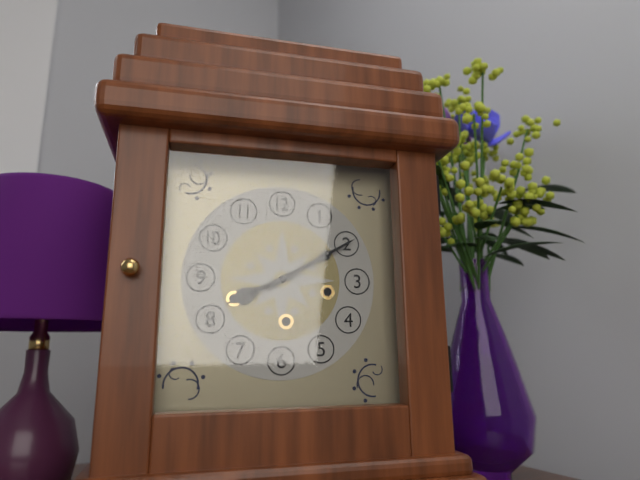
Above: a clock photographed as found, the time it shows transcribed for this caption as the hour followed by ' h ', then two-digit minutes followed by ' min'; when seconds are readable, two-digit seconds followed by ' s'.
8 h 10 min
